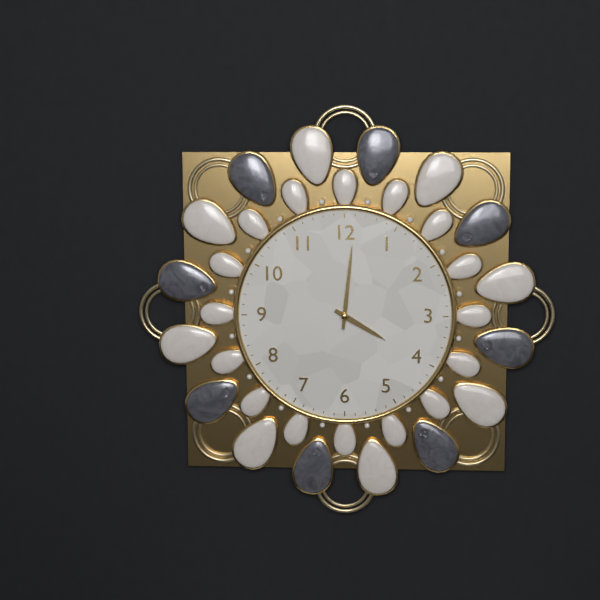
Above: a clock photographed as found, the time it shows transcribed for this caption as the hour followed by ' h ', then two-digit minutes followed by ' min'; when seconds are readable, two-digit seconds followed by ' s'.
4 h 01 min
